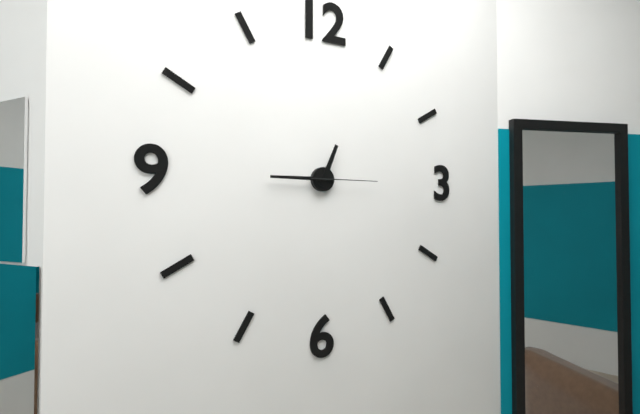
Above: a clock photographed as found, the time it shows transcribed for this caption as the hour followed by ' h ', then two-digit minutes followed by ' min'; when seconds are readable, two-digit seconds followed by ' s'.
12 h 45 min 15 s
